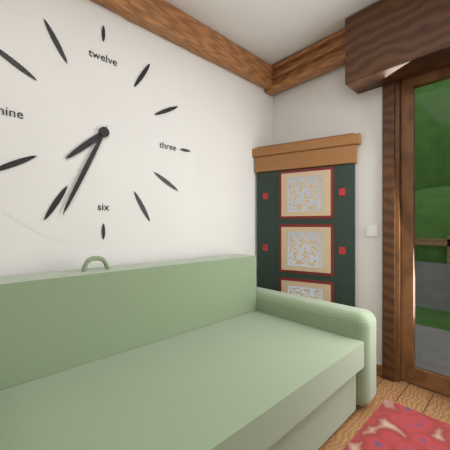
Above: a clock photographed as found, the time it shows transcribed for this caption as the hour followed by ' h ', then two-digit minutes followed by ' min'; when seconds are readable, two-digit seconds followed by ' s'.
7 h 34 min
